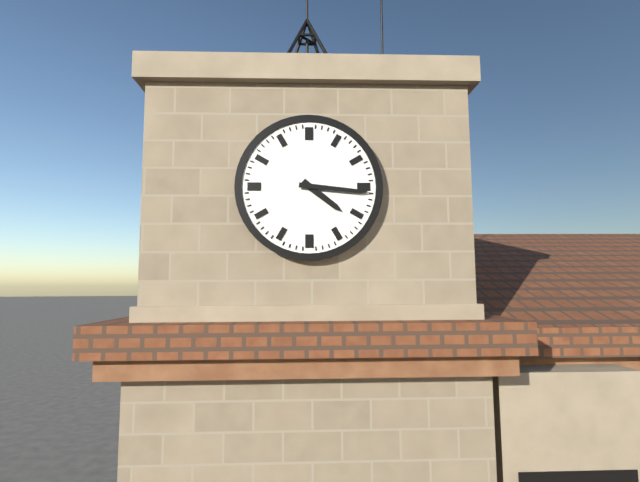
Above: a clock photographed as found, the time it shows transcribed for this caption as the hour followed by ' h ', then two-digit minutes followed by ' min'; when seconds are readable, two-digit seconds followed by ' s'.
4 h 16 min
